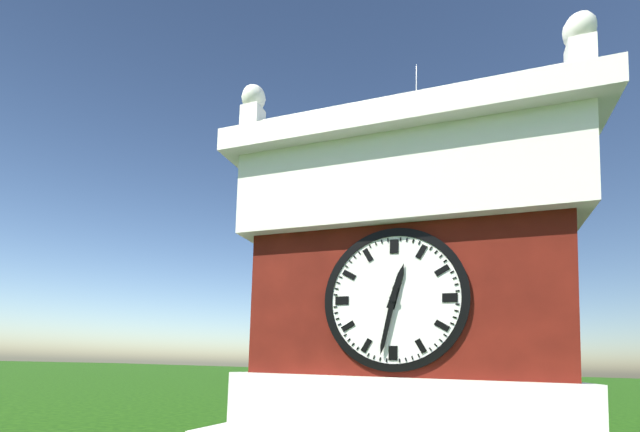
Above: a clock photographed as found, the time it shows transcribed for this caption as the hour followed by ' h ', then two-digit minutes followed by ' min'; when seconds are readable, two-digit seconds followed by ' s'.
12 h 32 min
